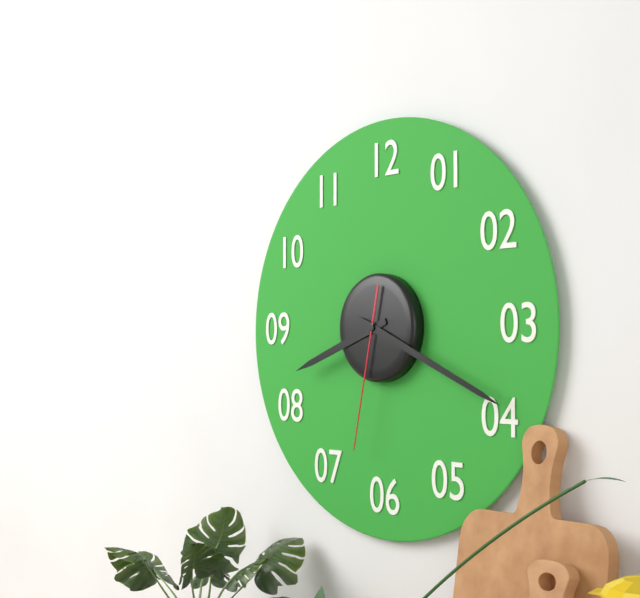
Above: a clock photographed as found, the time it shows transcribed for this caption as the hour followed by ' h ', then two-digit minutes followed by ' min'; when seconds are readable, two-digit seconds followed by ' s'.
8 h 19 min 32 s
